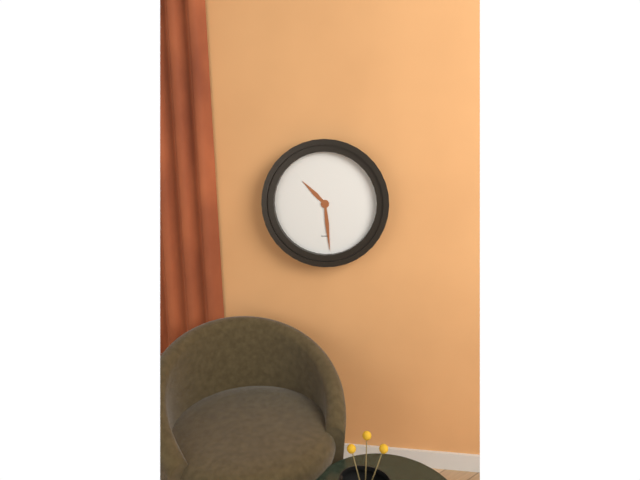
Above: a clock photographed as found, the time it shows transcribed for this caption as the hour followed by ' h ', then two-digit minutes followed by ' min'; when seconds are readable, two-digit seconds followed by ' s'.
10 h 29 min
